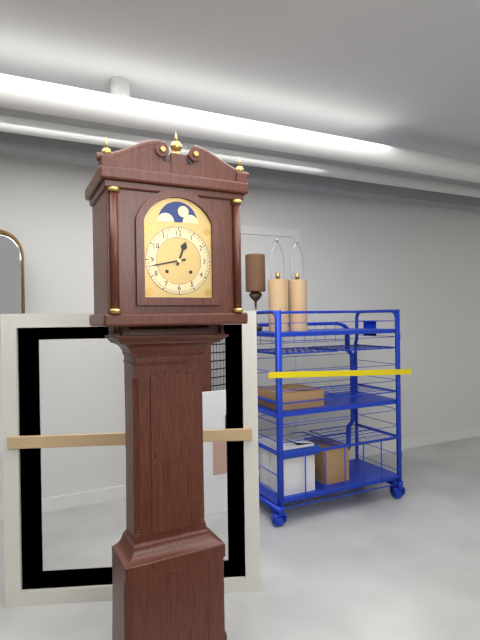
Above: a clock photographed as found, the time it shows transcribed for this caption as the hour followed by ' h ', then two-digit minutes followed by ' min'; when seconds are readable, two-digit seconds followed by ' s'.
12 h 43 min
